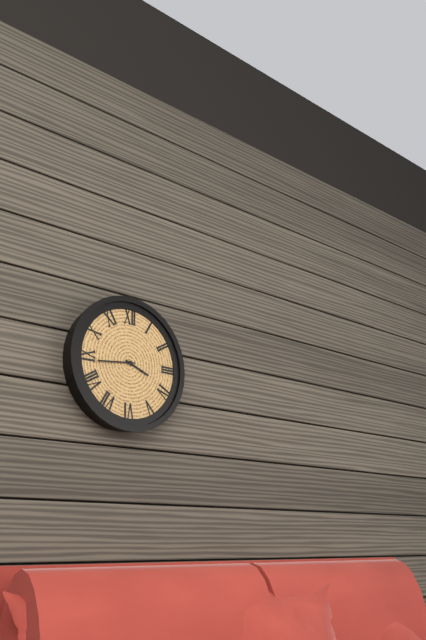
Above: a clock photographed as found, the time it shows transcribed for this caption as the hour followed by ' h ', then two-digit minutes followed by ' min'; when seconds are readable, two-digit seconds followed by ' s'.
3 h 44 min
